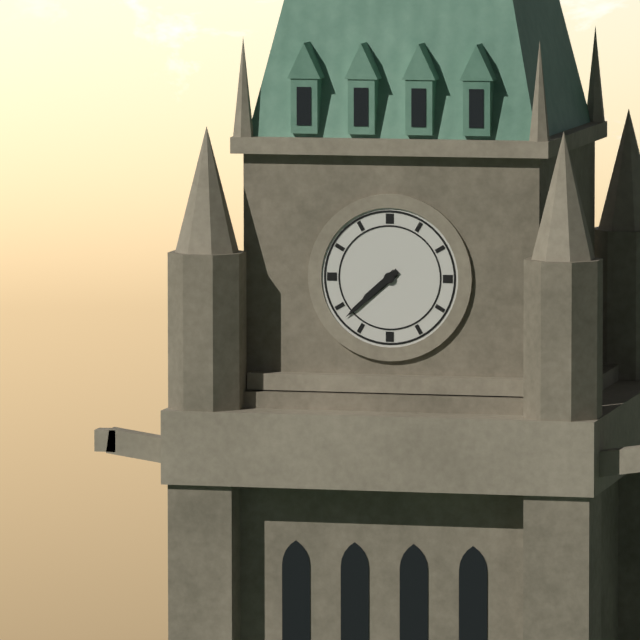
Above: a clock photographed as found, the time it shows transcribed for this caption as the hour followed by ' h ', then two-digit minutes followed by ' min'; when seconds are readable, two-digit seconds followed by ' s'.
7 h 38 min
